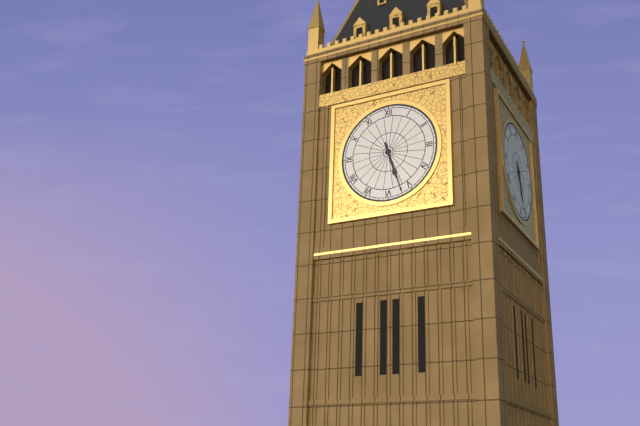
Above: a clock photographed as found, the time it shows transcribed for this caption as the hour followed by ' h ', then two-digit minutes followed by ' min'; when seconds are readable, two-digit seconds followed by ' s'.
5 h 27 min
